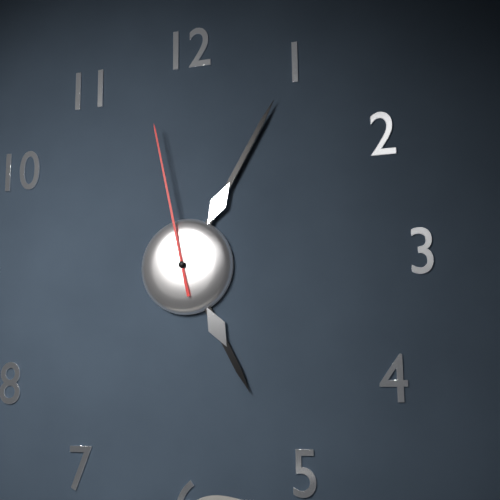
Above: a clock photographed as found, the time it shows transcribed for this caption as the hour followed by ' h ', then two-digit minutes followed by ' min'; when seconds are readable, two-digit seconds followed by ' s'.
5 h 05 min 58 s
